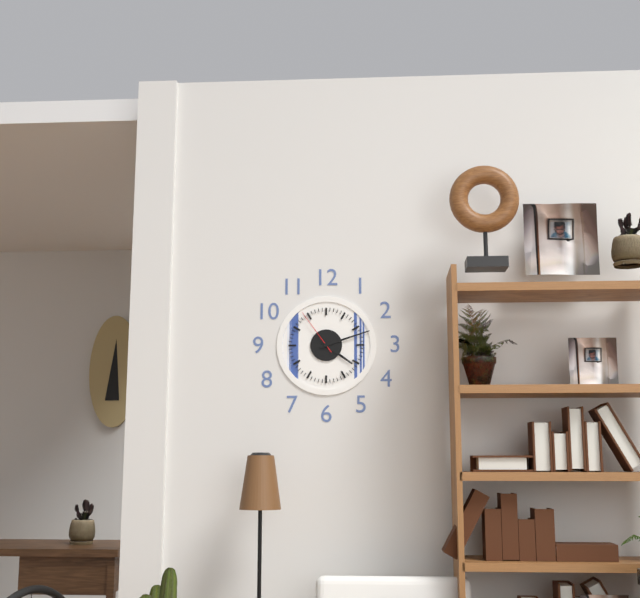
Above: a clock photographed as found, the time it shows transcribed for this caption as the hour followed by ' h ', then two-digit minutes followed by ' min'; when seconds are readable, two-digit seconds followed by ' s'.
4 h 12 min 54 s
